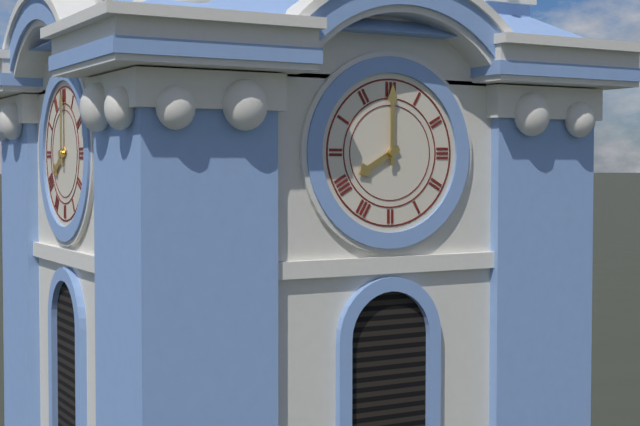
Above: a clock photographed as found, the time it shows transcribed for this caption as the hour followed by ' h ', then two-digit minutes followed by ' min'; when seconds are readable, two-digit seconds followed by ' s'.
8 h 00 min
